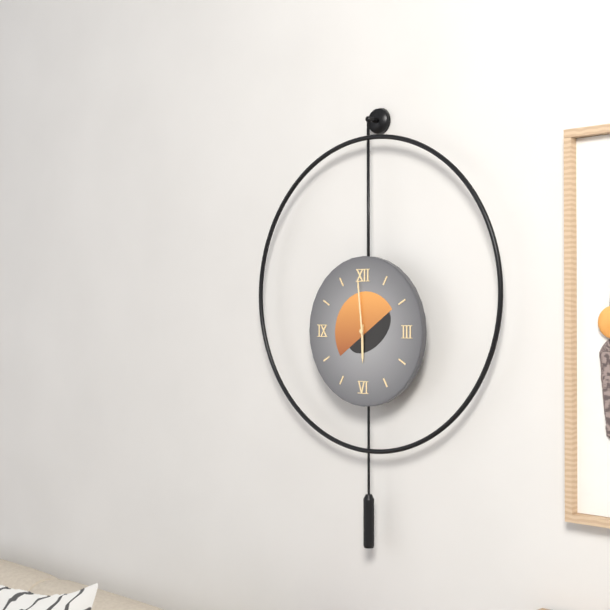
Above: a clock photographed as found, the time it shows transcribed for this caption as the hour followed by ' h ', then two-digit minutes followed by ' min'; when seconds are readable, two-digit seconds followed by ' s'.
5 h 59 min
